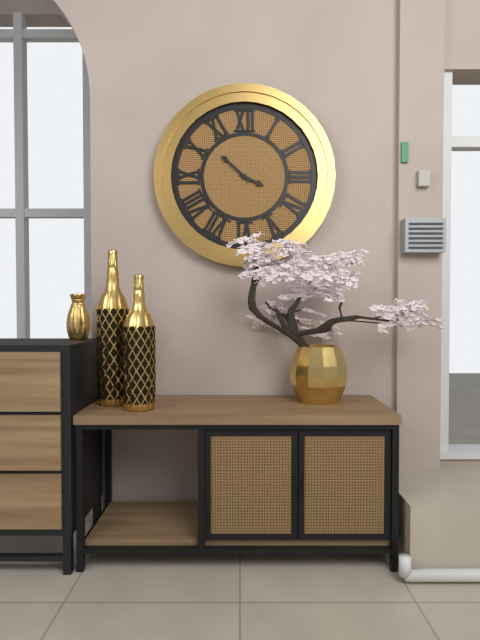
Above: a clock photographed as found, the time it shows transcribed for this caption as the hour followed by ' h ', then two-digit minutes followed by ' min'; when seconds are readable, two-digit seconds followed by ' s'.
3 h 52 min
